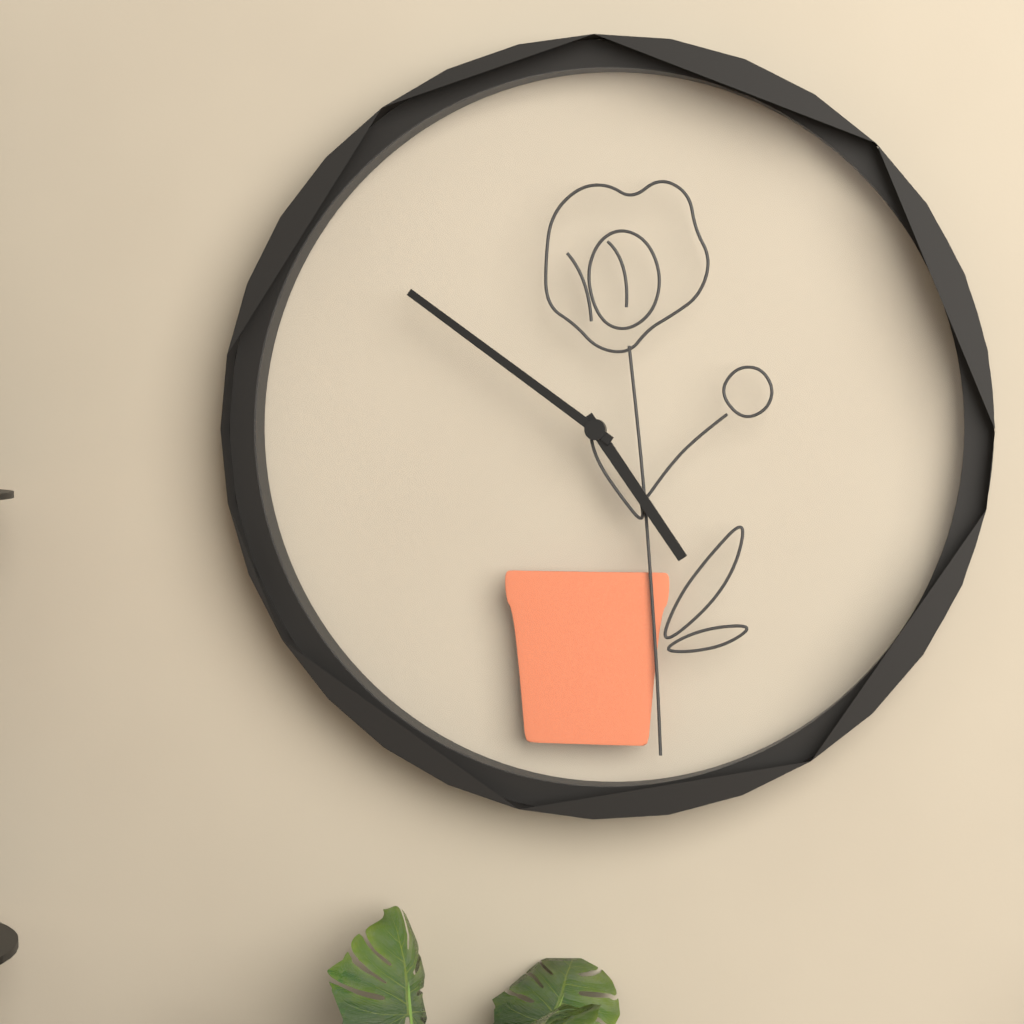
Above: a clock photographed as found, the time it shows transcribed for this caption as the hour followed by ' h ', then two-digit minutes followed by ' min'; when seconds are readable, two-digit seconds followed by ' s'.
4 h 51 min
